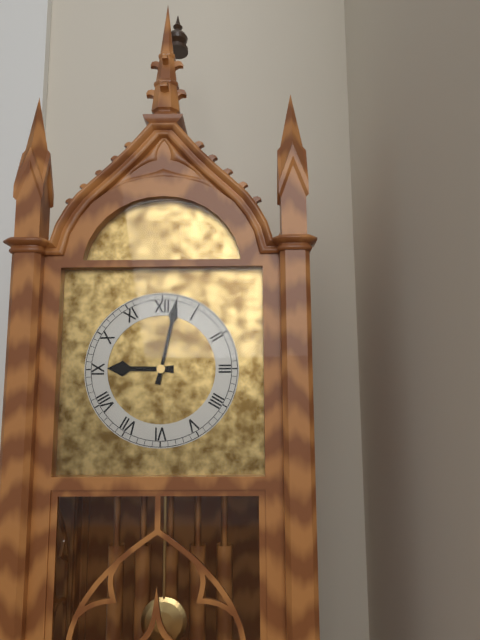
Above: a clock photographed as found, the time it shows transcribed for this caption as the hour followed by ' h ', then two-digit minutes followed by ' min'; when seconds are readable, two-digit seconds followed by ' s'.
9 h 02 min
